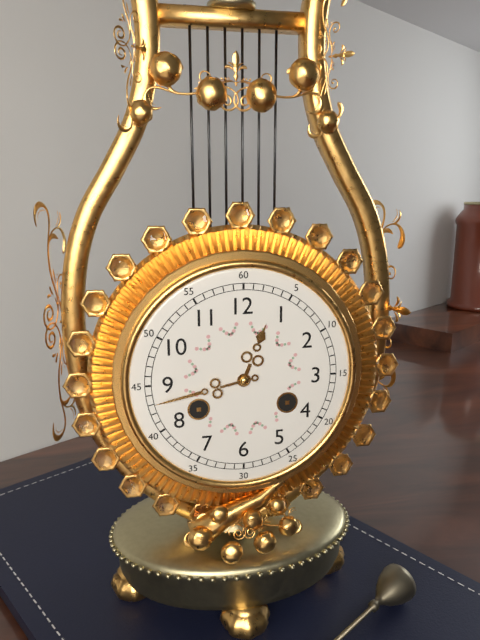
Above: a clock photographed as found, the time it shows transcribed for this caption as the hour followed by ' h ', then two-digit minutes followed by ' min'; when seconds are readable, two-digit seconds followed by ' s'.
12 h 43 min
